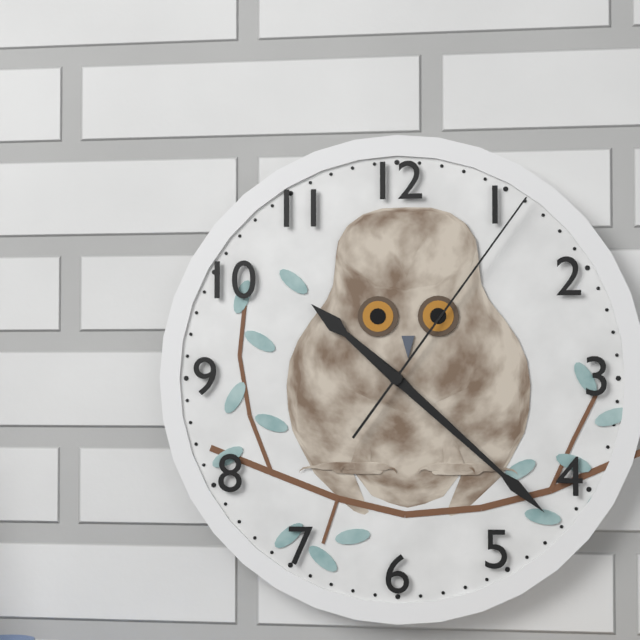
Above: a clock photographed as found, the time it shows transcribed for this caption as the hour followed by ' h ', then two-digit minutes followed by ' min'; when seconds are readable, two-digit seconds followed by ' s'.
10 h 22 min 06 s
